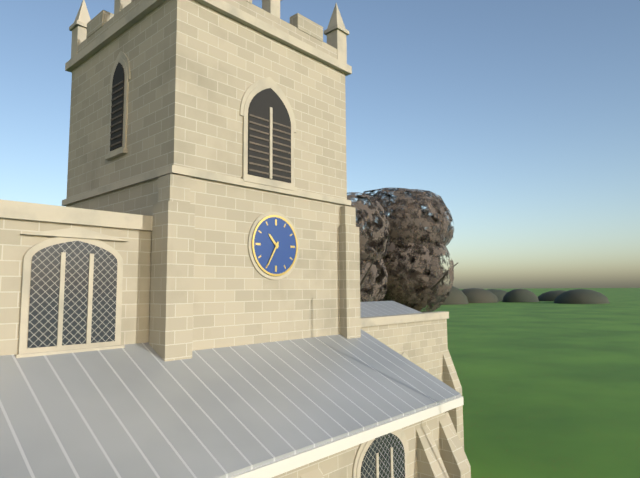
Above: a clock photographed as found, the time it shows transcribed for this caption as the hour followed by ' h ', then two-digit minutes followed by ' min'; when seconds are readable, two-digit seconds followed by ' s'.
10 h 35 min
